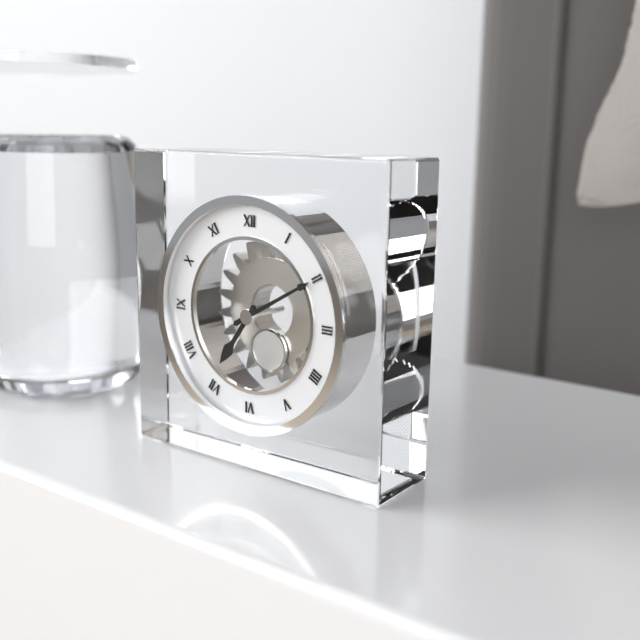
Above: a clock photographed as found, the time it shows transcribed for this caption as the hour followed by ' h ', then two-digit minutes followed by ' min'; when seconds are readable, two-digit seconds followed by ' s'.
7 h 10 min
